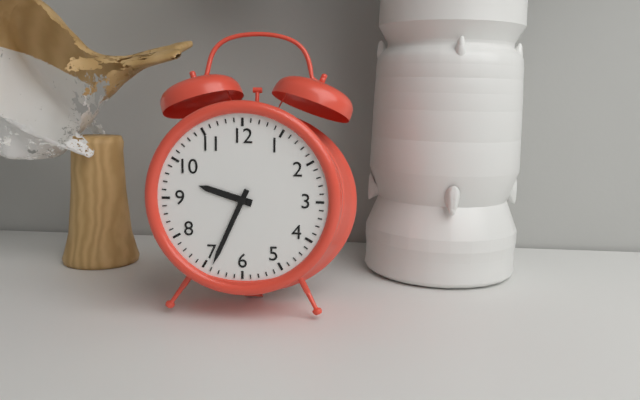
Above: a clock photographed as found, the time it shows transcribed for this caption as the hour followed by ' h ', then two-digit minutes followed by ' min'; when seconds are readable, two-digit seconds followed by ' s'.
9 h 34 min
